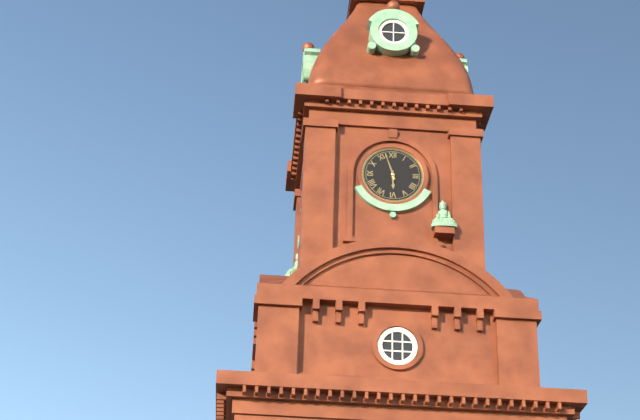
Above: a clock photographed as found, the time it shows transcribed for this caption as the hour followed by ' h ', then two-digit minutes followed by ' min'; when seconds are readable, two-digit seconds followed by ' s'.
5 h 57 min
